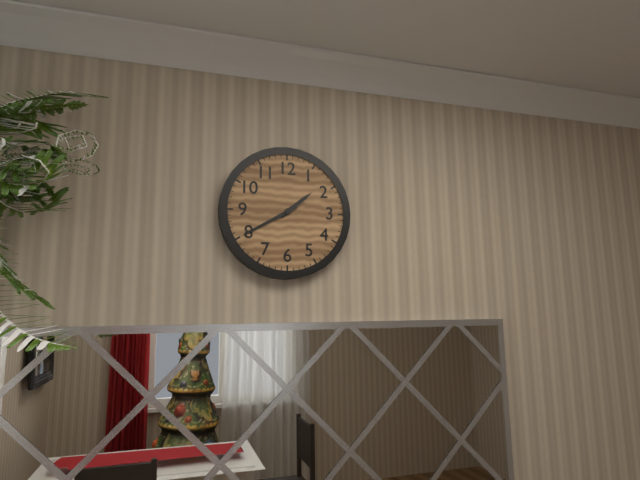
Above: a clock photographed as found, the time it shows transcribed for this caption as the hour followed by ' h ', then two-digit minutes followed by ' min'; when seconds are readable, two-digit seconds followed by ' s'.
1 h 40 min
